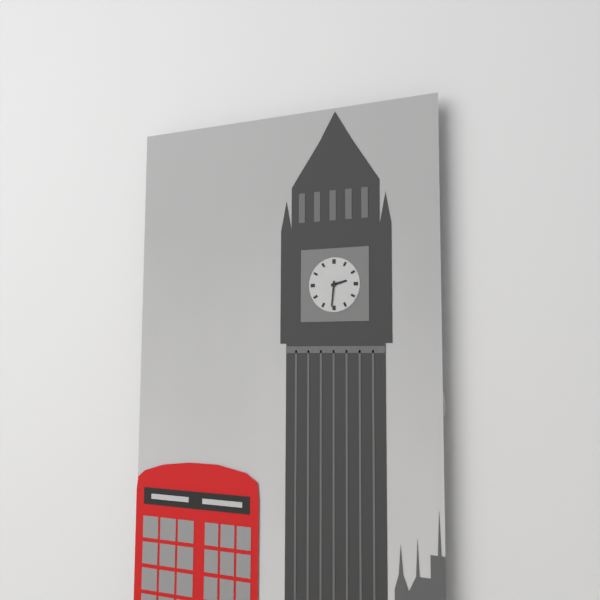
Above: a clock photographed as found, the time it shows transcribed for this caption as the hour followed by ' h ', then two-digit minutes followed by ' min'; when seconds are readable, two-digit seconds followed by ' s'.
2 h 31 min
